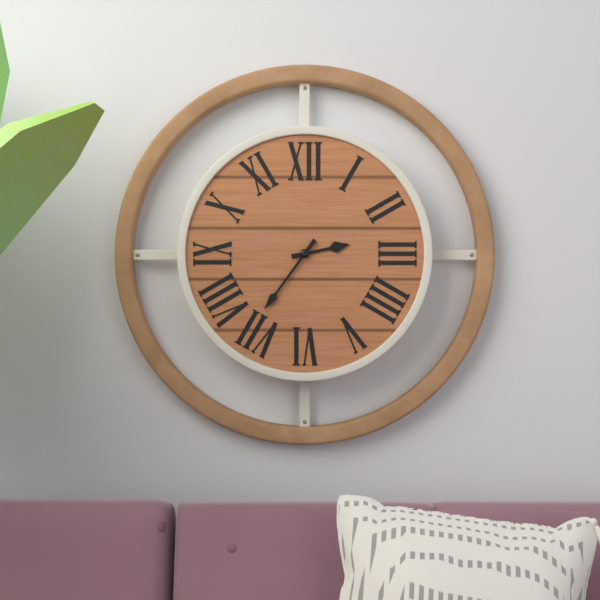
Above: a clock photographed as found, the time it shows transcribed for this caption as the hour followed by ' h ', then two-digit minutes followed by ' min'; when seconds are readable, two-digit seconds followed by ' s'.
2 h 36 min
